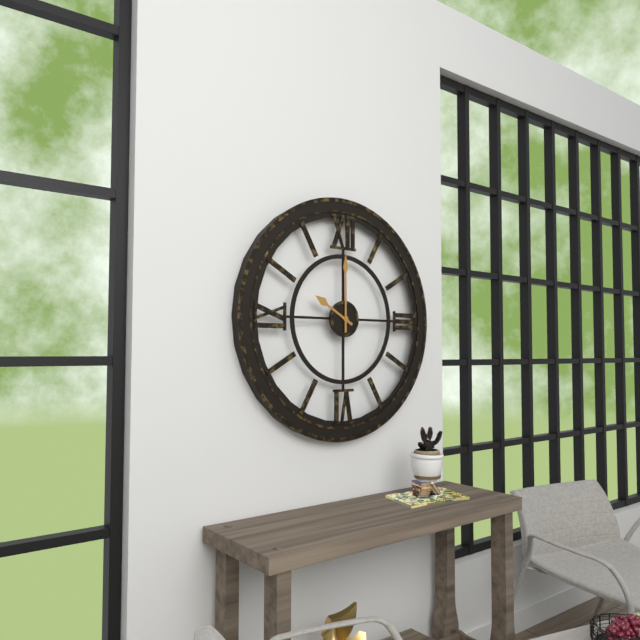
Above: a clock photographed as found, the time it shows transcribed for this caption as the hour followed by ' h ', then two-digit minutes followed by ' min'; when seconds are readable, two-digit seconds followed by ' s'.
10 h 00 min
